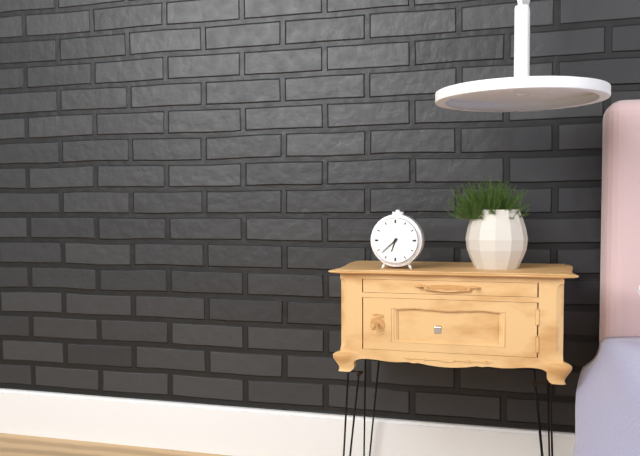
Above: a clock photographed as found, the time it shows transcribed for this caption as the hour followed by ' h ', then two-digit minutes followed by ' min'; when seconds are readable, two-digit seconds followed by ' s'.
6 h 38 min
